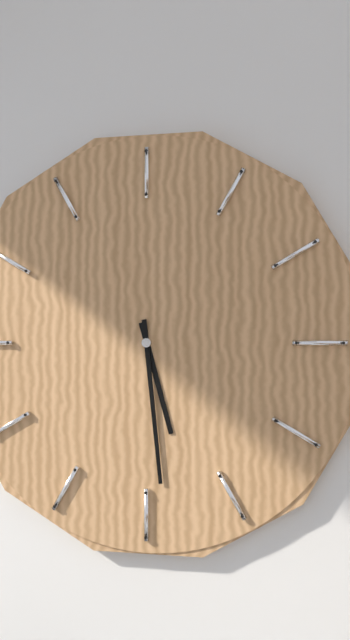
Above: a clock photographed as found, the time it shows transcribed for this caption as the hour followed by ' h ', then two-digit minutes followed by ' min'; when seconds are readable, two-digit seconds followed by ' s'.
5 h 29 min
